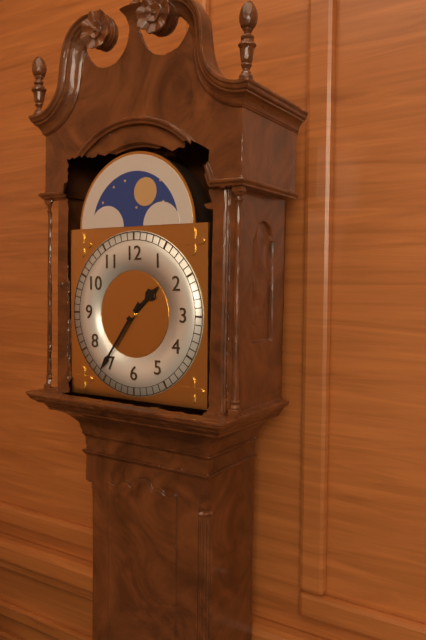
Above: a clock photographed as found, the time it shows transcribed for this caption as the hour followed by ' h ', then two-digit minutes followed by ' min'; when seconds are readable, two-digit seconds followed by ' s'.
1 h 36 min
